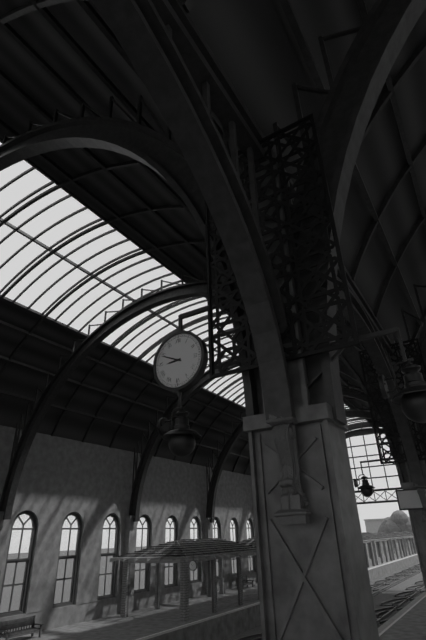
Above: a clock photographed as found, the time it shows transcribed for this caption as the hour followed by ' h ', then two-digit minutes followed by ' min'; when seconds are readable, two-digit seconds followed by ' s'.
8 h 49 min
